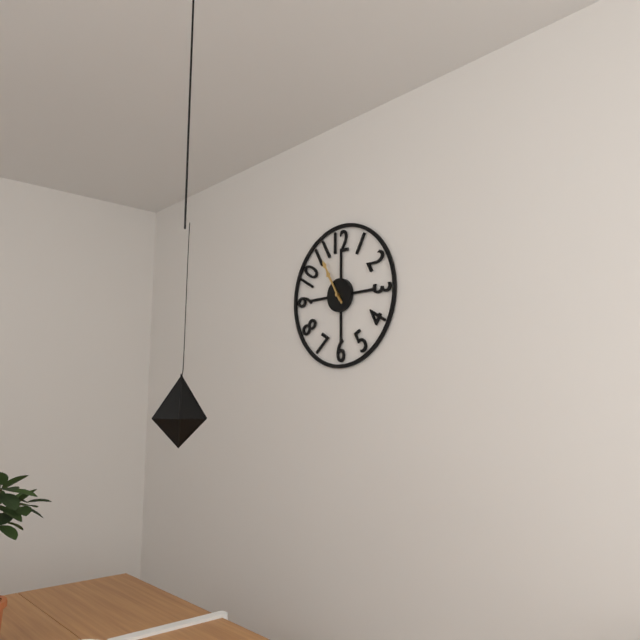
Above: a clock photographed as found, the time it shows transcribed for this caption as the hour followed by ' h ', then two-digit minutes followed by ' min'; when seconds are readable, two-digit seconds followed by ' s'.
10 h 55 min
